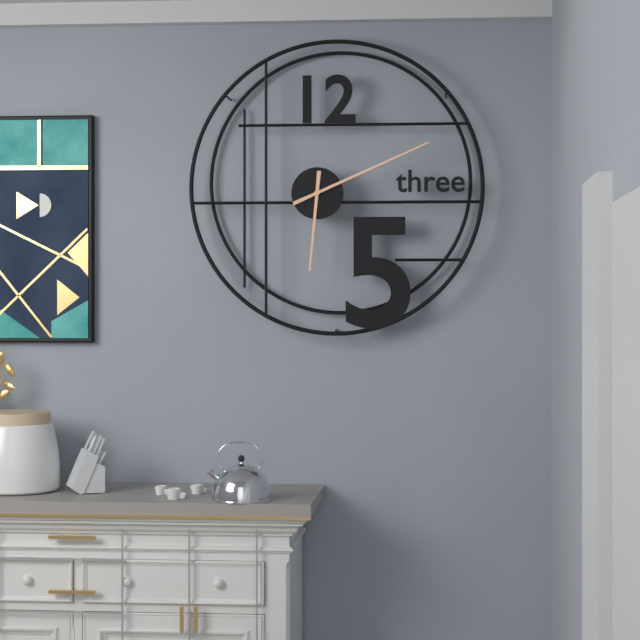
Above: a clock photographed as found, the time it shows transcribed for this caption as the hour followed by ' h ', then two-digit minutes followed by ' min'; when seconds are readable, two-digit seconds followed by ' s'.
6 h 11 min
